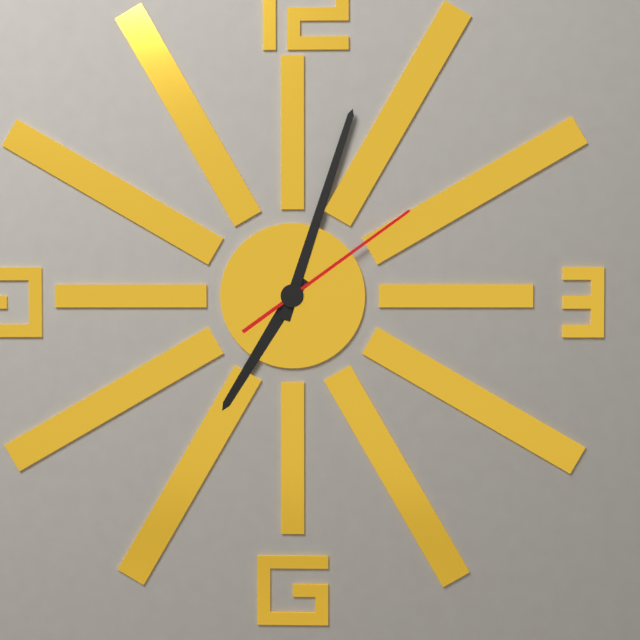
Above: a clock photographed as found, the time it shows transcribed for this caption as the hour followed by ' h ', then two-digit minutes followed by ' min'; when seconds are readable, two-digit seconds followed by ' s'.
7 h 03 min 09 s
